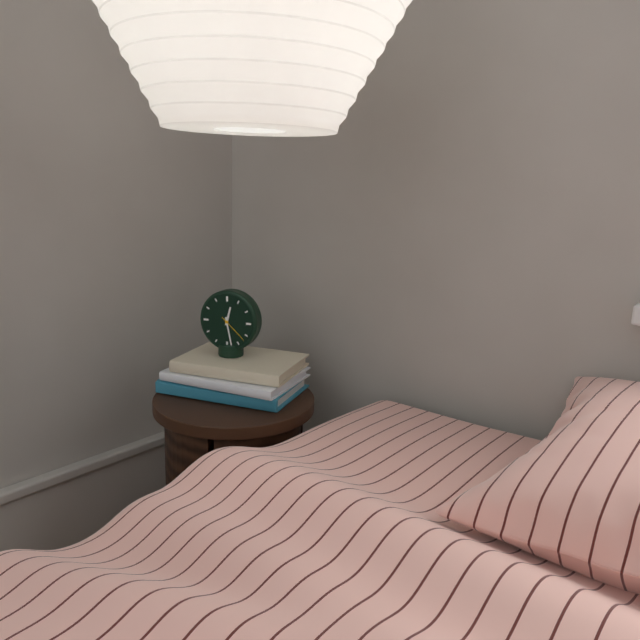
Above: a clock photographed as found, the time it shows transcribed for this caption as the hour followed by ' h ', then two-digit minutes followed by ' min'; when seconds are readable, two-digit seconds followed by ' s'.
12 h 28 min
